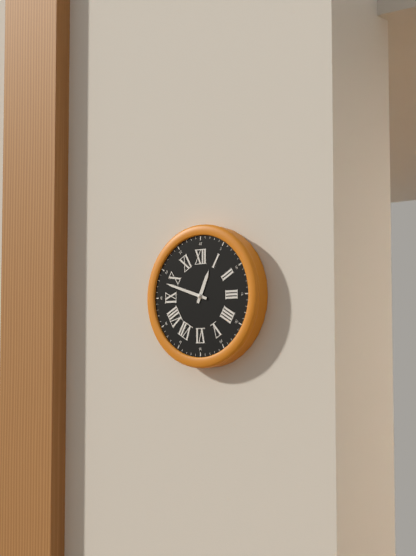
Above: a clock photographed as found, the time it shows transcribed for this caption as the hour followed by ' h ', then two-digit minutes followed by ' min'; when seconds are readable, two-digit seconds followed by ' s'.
12 h 48 min
